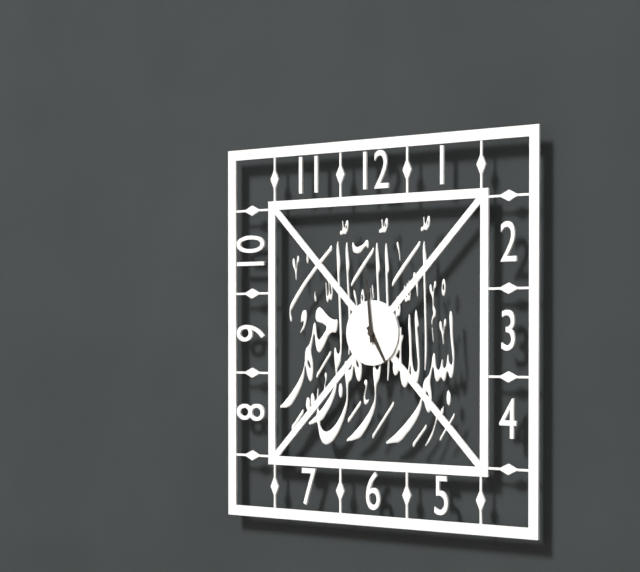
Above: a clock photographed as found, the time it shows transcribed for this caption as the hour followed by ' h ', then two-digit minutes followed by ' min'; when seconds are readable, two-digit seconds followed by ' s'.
4 h 59 min
